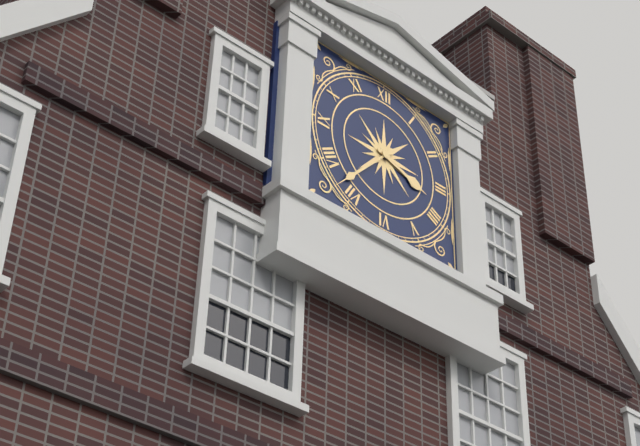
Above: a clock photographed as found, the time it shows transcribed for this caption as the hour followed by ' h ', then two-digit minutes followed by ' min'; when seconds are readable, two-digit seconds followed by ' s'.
3 h 37 min
